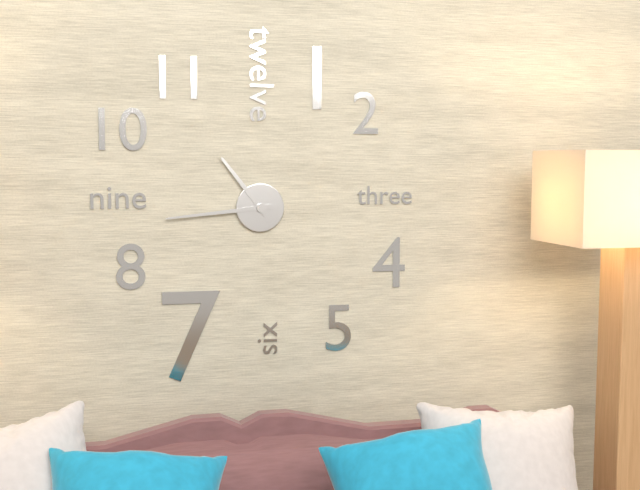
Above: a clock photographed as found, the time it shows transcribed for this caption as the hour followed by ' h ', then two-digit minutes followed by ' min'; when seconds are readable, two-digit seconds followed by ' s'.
10 h 44 min
